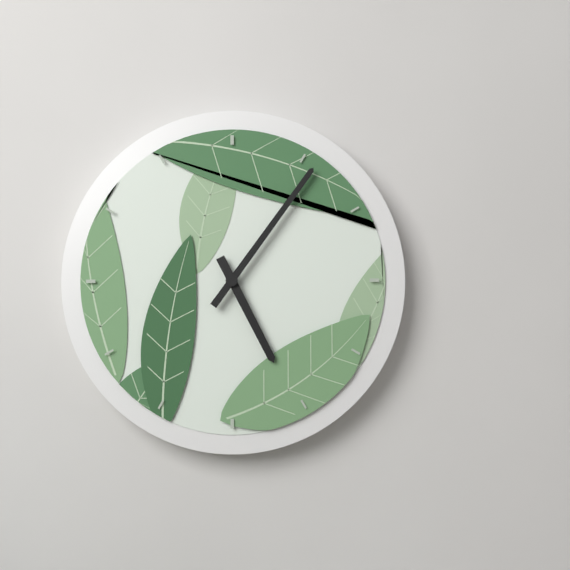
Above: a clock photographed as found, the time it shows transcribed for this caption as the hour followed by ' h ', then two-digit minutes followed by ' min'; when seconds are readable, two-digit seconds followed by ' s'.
5 h 06 min
